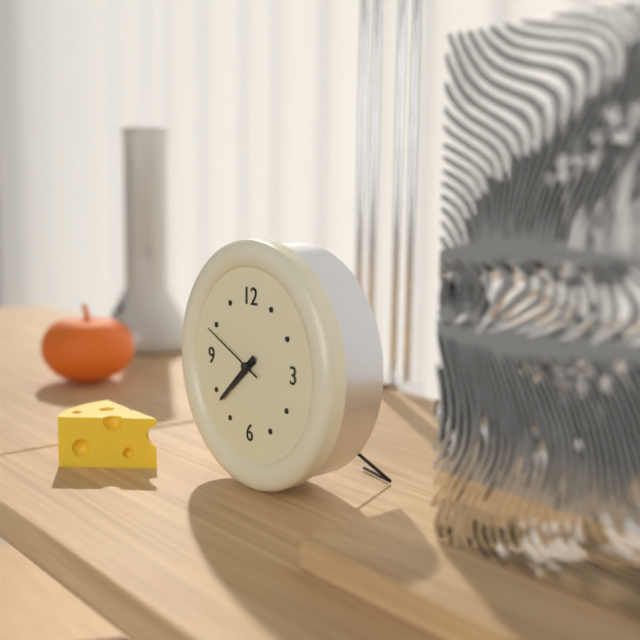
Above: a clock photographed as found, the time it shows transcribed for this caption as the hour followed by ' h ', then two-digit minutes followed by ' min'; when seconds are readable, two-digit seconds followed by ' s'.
7 h 38 min 49 s
